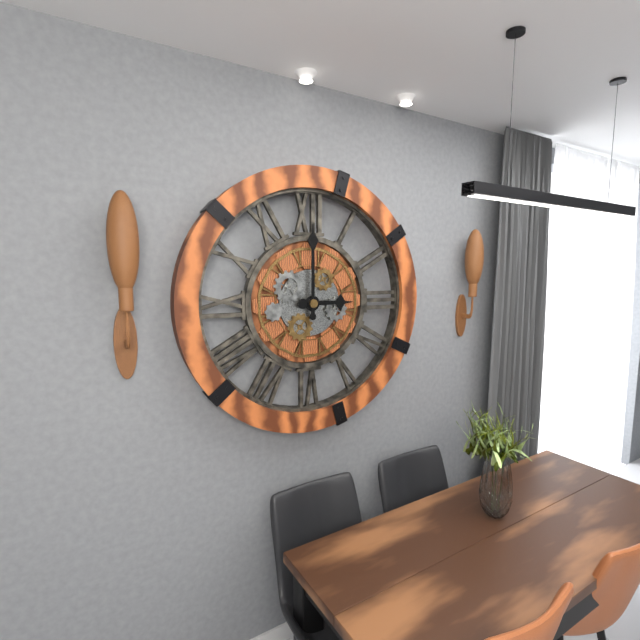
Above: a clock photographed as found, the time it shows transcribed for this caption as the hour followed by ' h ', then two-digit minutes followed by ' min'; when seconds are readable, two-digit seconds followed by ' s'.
3 h 00 min
